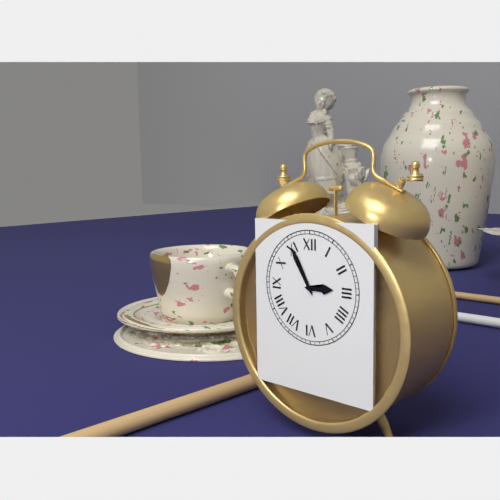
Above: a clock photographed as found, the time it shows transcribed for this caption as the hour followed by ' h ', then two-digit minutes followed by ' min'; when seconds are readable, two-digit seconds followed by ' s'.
2 h 55 min
